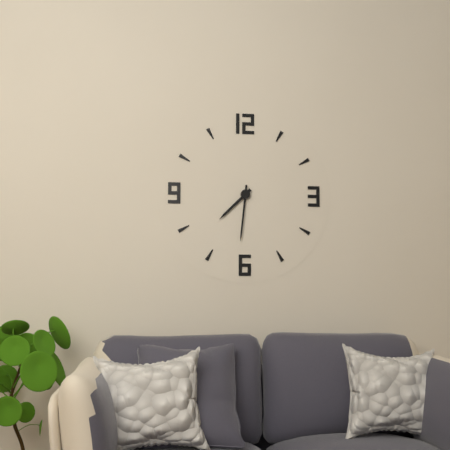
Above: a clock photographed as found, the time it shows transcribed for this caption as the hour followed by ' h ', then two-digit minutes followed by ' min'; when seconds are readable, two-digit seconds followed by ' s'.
7 h 31 min
